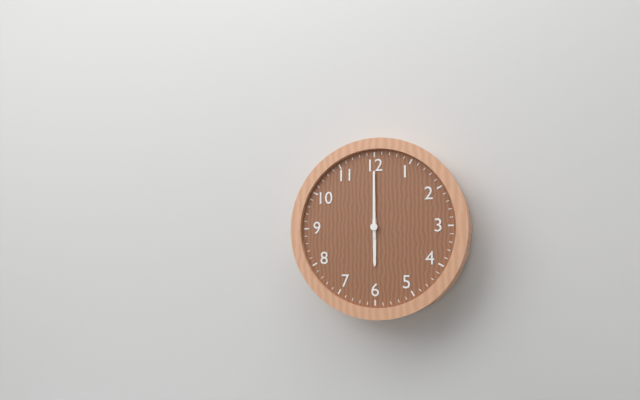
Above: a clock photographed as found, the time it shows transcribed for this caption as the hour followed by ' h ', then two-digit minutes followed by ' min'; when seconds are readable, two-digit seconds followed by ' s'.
6 h 00 min
